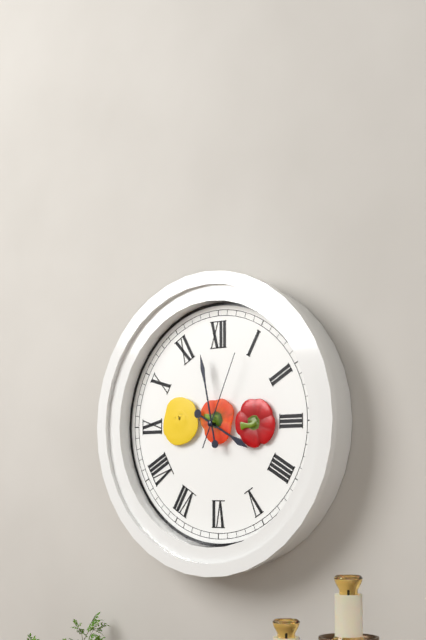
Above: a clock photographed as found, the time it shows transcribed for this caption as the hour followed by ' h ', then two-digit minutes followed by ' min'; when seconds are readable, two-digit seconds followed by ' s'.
3 h 58 min 04 s
